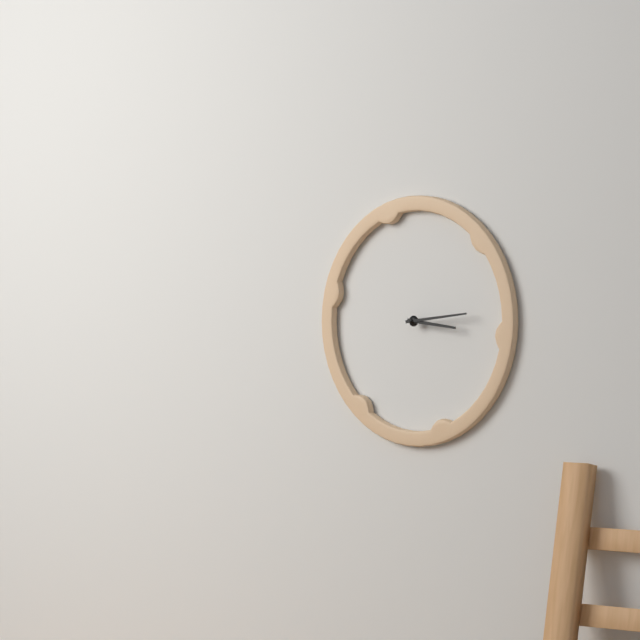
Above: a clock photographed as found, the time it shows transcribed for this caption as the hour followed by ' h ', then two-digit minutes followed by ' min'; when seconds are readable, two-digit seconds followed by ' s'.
3 h 14 min
